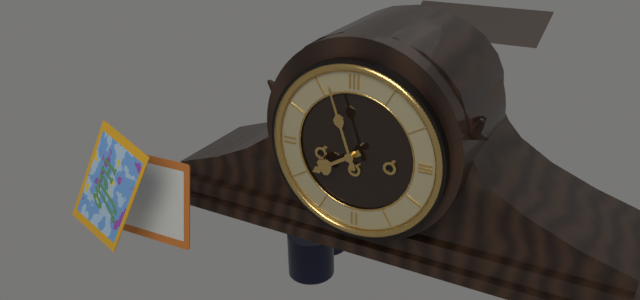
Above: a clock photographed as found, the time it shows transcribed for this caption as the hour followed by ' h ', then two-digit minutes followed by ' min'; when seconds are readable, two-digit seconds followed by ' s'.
7 h 57 min
